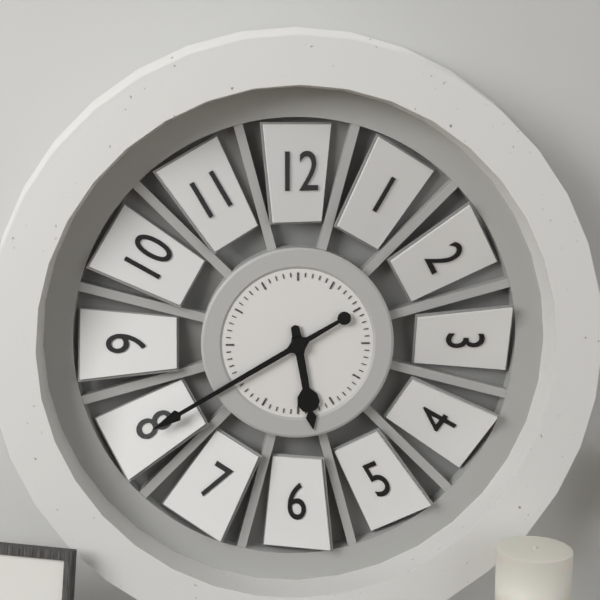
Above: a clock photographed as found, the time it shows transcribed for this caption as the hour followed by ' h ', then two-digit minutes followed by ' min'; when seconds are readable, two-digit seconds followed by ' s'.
5 h 40 min
